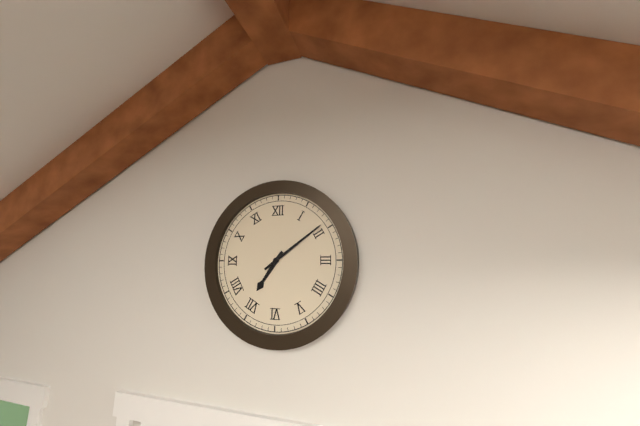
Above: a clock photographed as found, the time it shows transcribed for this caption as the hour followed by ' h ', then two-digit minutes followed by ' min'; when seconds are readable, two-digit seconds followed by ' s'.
7 h 09 min
